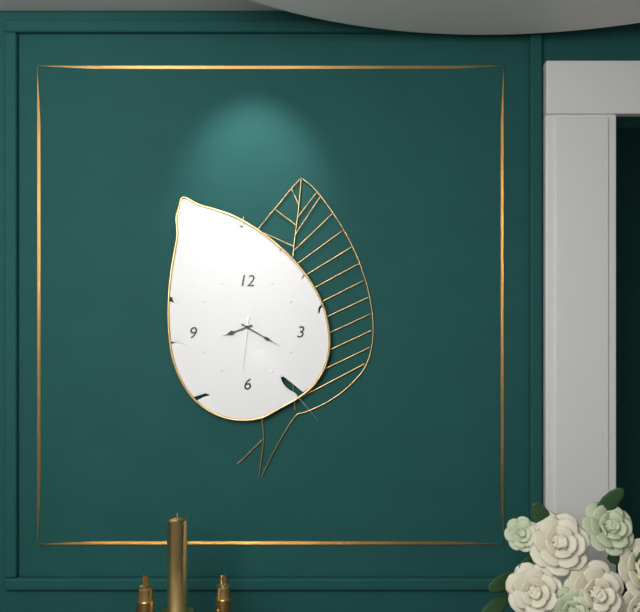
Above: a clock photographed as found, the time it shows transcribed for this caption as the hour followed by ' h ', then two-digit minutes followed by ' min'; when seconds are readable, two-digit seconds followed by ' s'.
8 h 20 min 31 s
